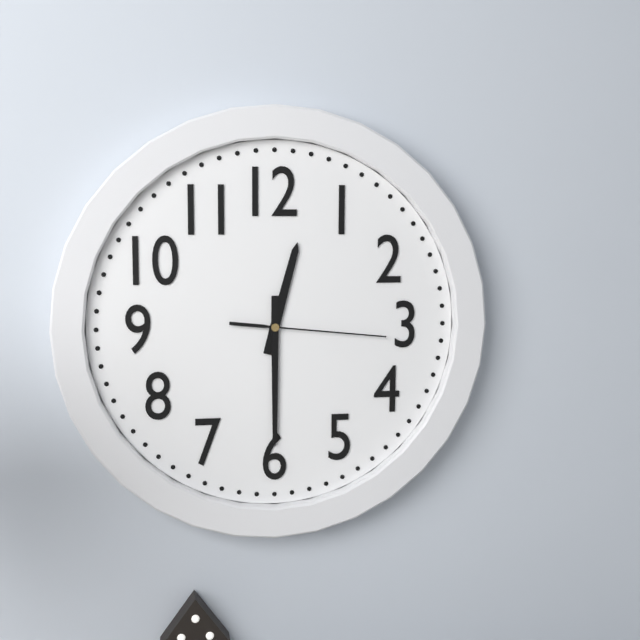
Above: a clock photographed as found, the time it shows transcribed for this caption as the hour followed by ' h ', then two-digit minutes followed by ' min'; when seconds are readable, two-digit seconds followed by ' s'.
12 h 30 min 16 s
